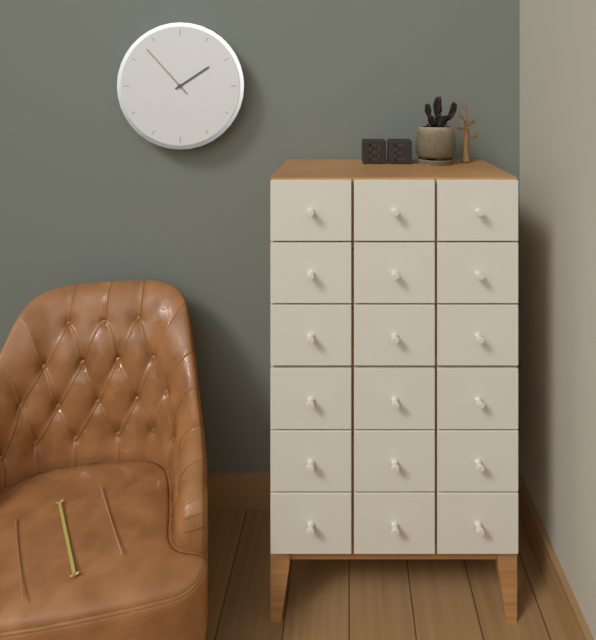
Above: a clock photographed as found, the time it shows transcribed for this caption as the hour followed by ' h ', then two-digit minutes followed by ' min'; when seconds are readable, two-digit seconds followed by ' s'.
1 h 53 min
